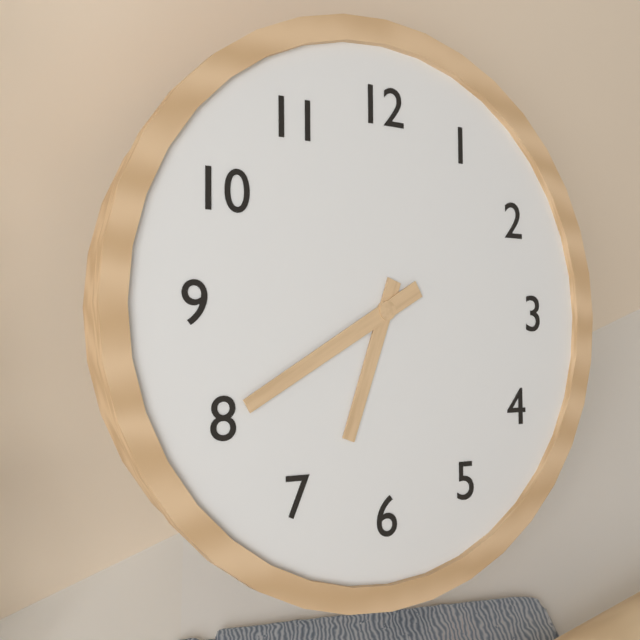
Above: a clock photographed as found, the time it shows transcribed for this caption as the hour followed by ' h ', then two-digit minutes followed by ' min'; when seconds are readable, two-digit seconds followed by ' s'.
6 h 40 min
